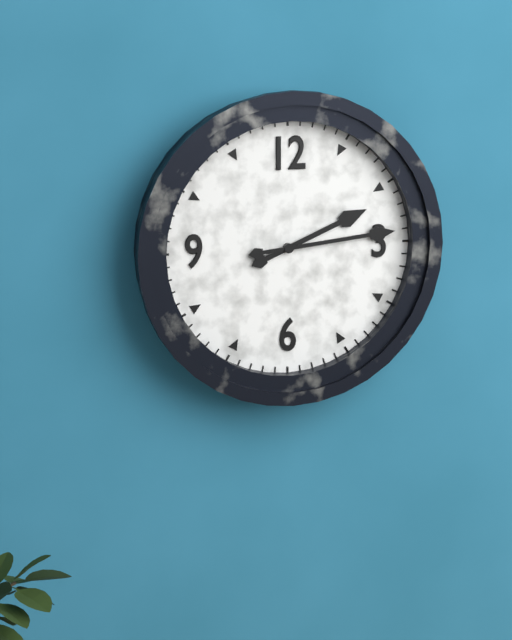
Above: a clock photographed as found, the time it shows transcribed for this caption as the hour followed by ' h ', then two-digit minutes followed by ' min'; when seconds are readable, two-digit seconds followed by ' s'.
2 h 14 min
